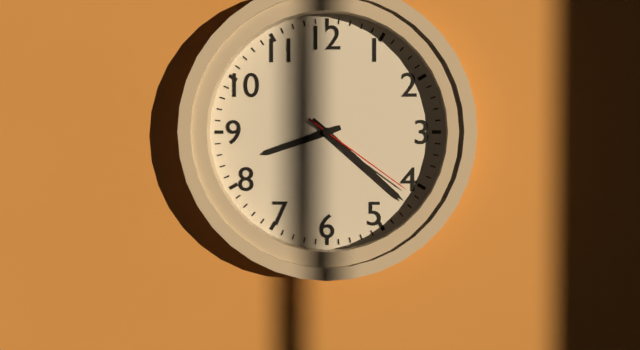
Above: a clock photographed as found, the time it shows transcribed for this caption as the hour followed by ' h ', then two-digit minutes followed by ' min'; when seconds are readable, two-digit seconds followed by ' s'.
8 h 22 min 21 s
